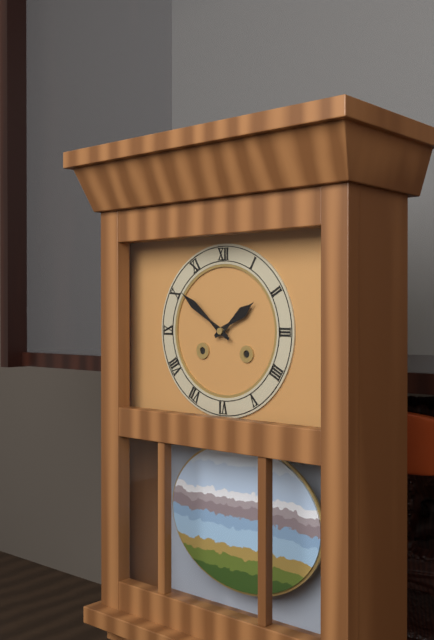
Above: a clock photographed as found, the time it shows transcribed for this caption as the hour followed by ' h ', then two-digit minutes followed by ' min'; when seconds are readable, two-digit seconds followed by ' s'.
1 h 51 min
